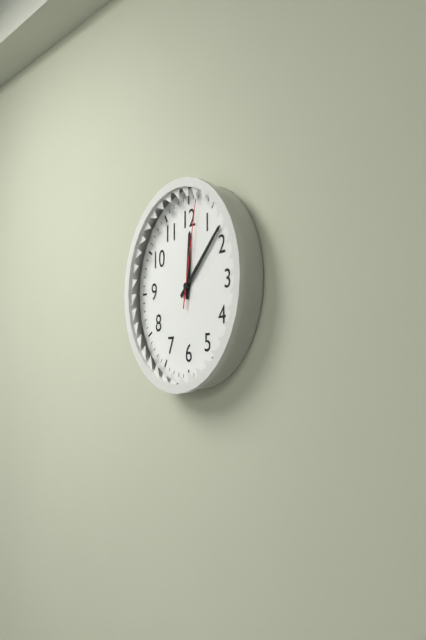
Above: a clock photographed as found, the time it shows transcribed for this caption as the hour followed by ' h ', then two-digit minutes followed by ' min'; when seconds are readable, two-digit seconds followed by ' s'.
12 h 08 min 02 s
